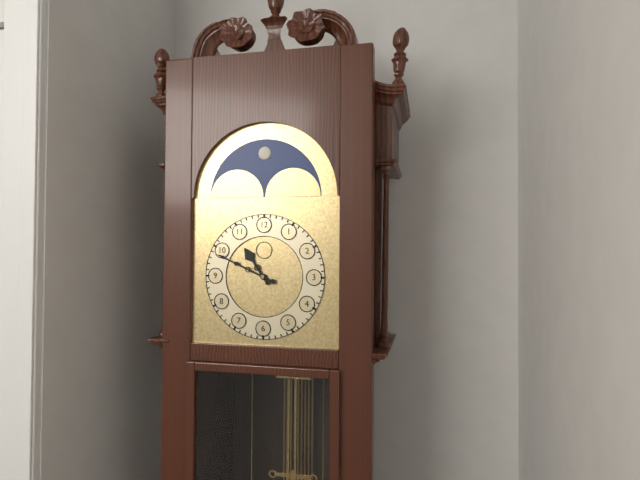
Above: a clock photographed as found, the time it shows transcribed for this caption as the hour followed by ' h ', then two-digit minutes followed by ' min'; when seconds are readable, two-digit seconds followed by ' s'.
10 h 49 min
